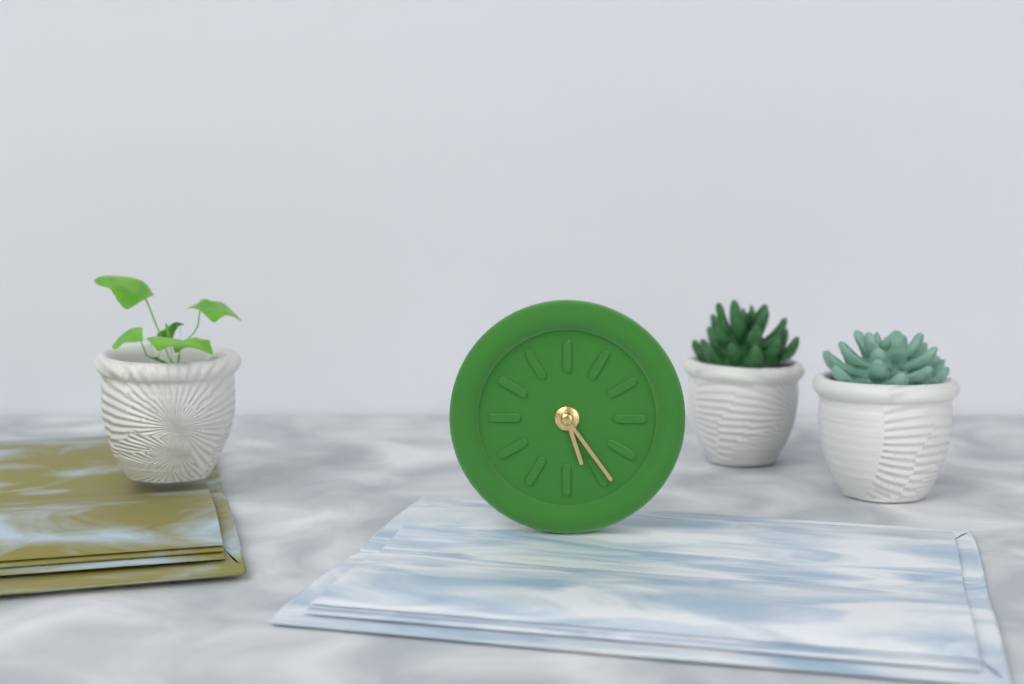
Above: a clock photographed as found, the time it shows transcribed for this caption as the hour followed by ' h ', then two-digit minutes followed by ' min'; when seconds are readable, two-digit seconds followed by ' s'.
5 h 24 min
